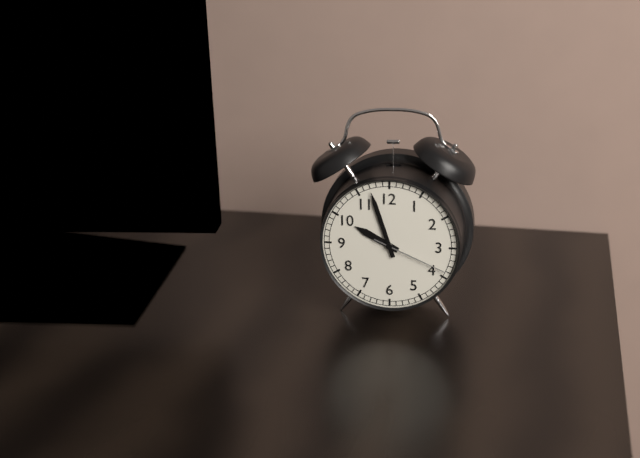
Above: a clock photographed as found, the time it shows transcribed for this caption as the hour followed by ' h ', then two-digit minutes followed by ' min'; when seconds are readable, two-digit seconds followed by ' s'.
9 h 57 min 19 s
